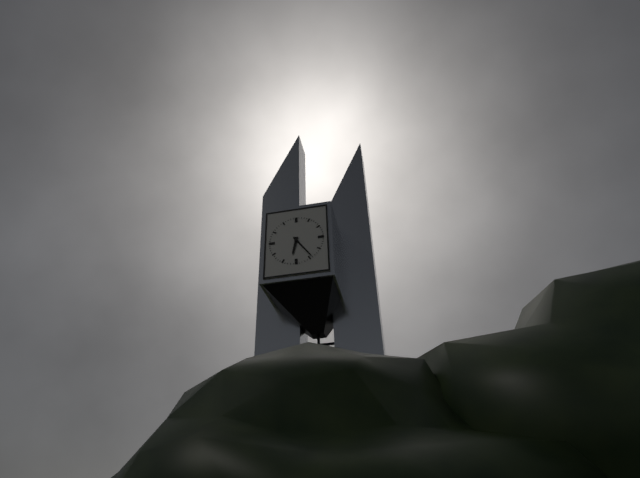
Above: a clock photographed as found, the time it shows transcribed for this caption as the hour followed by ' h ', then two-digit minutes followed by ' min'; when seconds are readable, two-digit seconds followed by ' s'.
6 h 24 min
